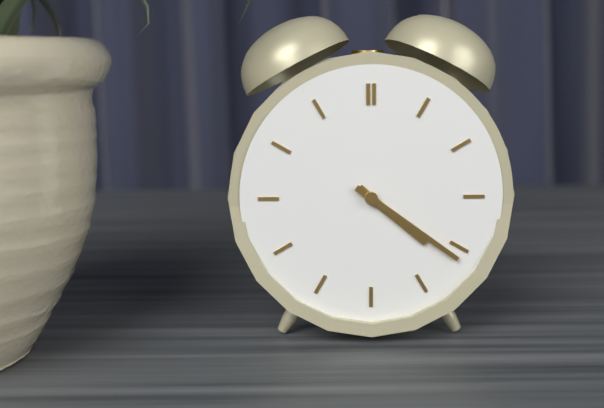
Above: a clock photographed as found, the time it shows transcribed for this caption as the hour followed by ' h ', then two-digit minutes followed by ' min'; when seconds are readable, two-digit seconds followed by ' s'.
4 h 21 min
